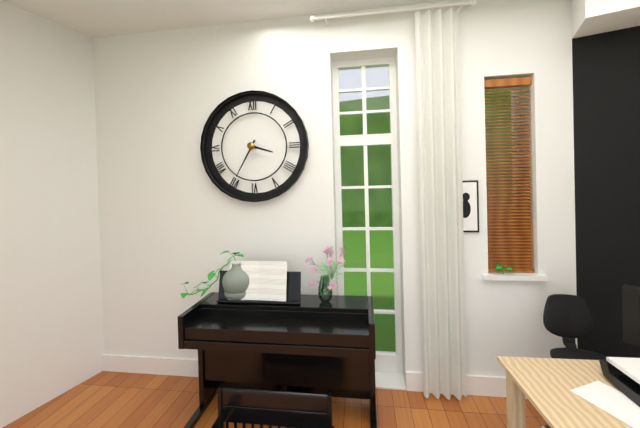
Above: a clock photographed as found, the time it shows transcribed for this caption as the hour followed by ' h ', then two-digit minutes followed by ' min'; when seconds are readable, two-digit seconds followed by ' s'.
3 h 35 min
